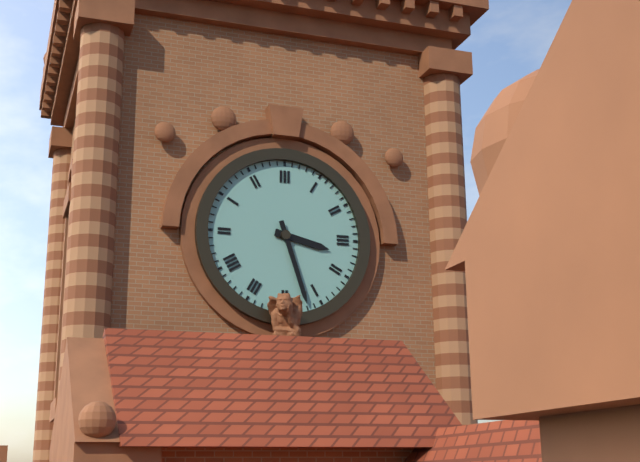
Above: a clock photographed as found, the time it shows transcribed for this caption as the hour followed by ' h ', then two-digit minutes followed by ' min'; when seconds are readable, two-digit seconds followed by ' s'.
3 h 27 min
